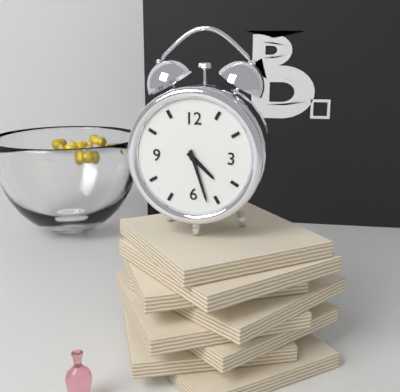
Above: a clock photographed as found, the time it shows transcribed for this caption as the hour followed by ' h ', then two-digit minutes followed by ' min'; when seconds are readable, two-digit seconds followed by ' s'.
4 h 27 min
